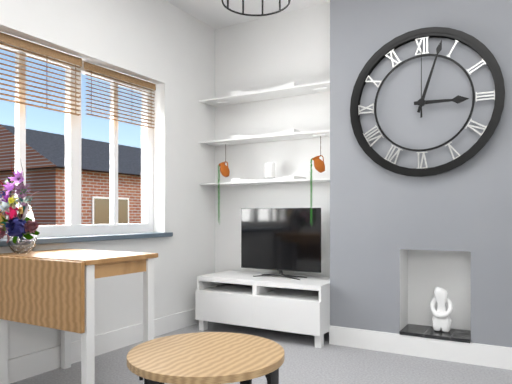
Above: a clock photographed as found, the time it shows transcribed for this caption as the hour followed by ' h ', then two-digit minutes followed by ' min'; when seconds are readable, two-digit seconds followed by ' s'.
3 h 03 min 00 s
